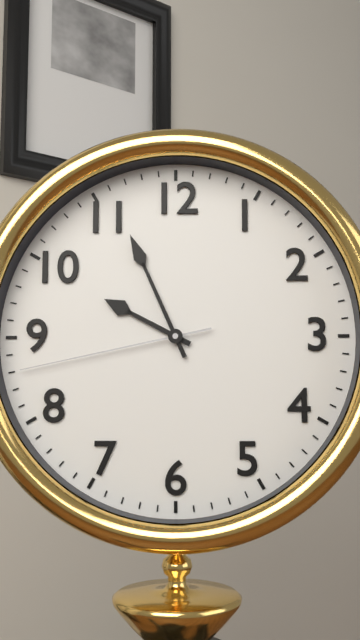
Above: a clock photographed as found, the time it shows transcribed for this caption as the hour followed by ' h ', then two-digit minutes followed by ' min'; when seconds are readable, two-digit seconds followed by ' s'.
9 h 56 min 43 s
